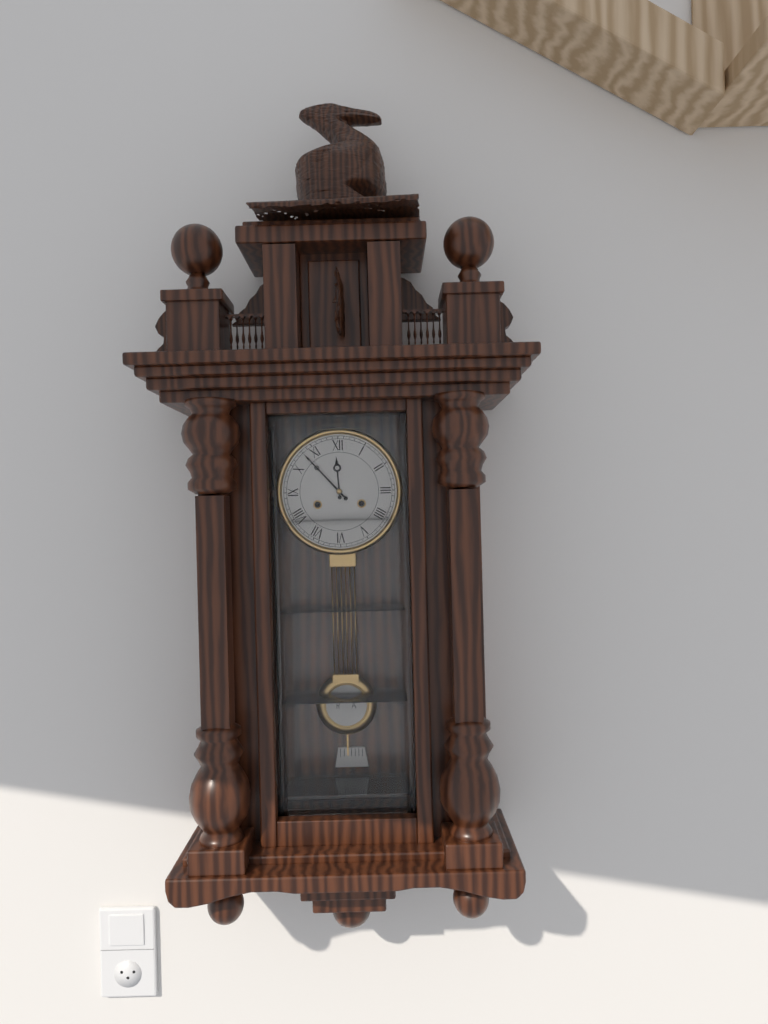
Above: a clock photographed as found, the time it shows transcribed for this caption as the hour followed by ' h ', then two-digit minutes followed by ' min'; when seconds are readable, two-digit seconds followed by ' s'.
11 h 53 min
